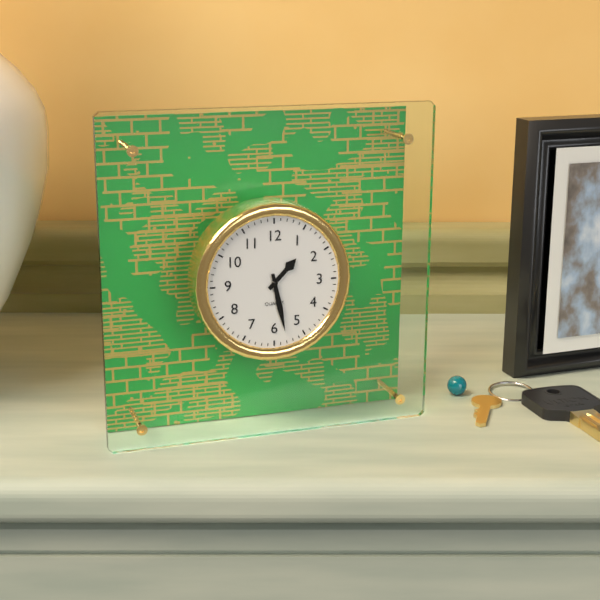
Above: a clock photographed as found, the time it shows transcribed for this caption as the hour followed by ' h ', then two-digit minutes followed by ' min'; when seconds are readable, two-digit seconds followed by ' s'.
1 h 28 min
